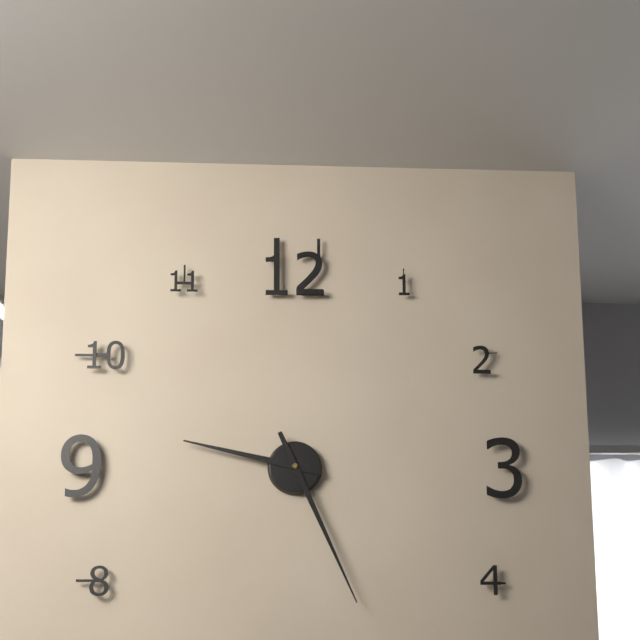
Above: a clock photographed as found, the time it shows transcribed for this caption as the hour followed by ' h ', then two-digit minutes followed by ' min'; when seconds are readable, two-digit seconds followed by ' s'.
9 h 26 min
